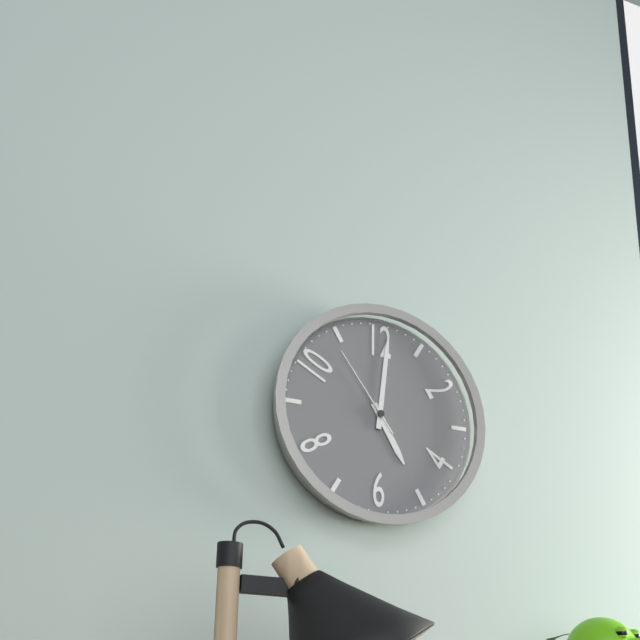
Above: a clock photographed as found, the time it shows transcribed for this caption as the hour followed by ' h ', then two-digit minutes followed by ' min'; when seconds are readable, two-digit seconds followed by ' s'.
5 h 01 min 54 s
